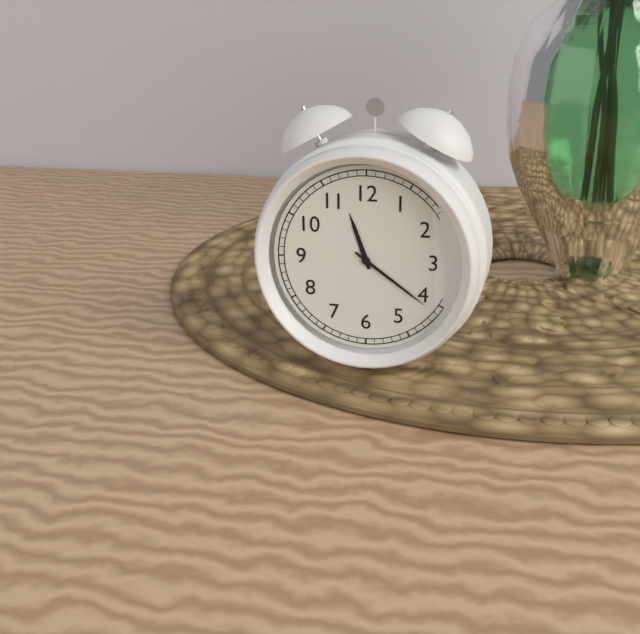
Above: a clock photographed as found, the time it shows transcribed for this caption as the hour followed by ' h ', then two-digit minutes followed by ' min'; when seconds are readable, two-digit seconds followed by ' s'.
11 h 21 min
